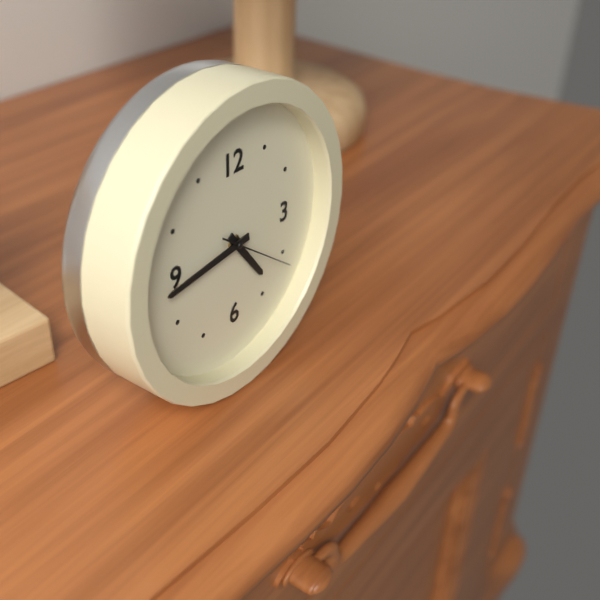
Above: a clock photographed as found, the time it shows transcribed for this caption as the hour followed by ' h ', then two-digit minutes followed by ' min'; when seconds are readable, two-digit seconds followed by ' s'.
4 h 44 min 21 s
